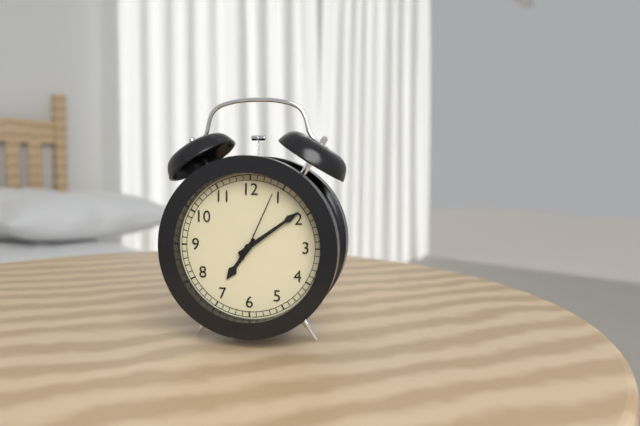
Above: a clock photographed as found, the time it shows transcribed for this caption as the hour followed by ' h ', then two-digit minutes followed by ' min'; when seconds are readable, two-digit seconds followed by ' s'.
7 h 09 min 04 s
